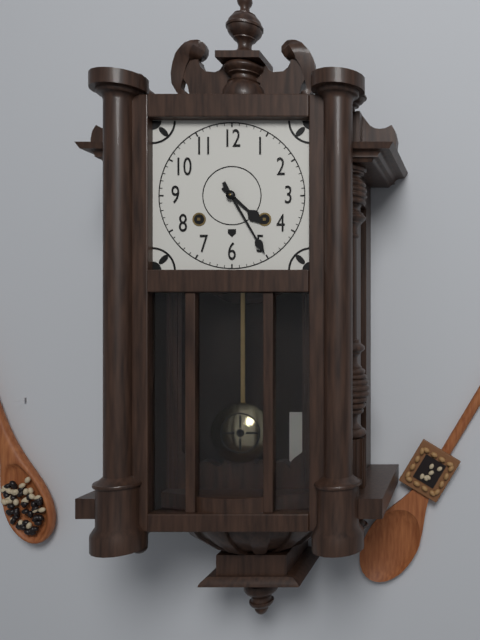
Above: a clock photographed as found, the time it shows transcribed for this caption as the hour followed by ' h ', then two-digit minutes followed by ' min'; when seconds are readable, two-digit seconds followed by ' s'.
4 h 25 min
